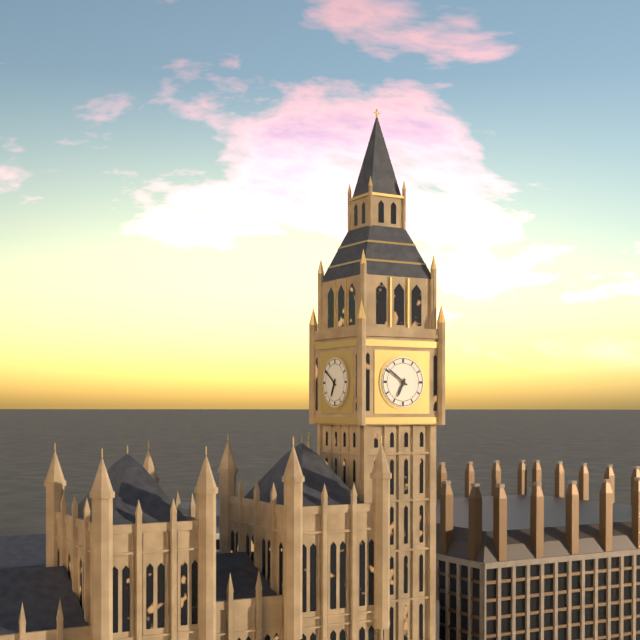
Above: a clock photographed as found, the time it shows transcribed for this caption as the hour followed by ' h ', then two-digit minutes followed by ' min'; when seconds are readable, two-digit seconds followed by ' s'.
6 h 51 min
